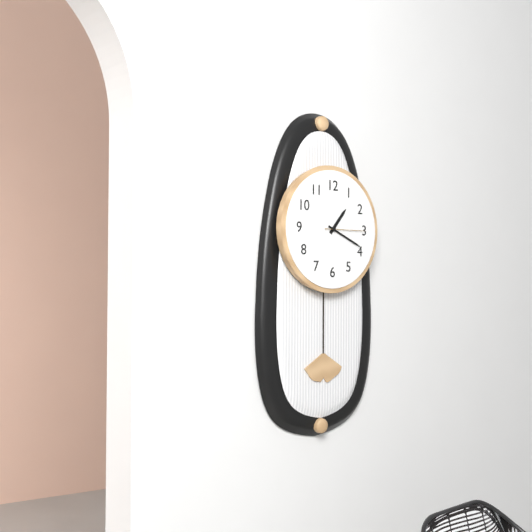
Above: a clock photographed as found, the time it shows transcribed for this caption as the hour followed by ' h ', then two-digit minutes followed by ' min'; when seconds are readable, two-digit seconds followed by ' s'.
1 h 19 min
